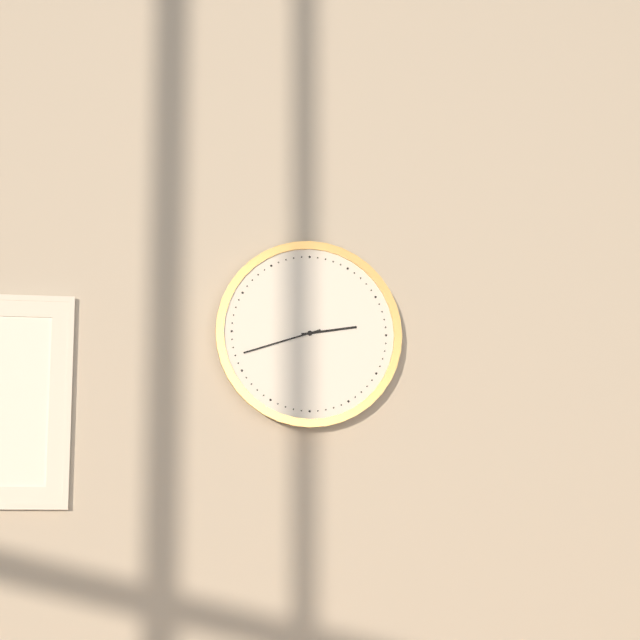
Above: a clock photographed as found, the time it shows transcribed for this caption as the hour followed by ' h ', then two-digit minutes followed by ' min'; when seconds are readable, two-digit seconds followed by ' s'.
2 h 42 min
